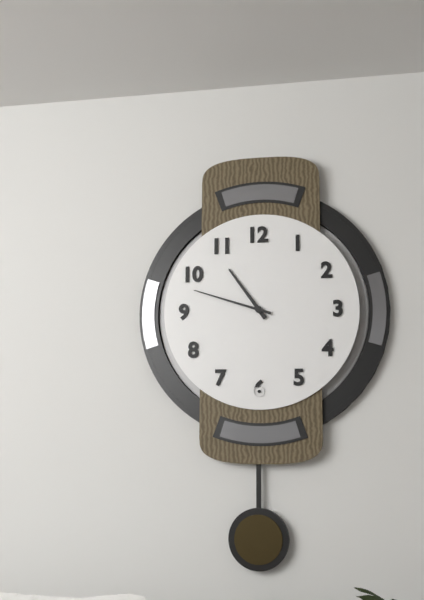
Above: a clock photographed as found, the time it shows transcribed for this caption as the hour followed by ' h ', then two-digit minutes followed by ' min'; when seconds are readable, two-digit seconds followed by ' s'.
10 h 48 min
